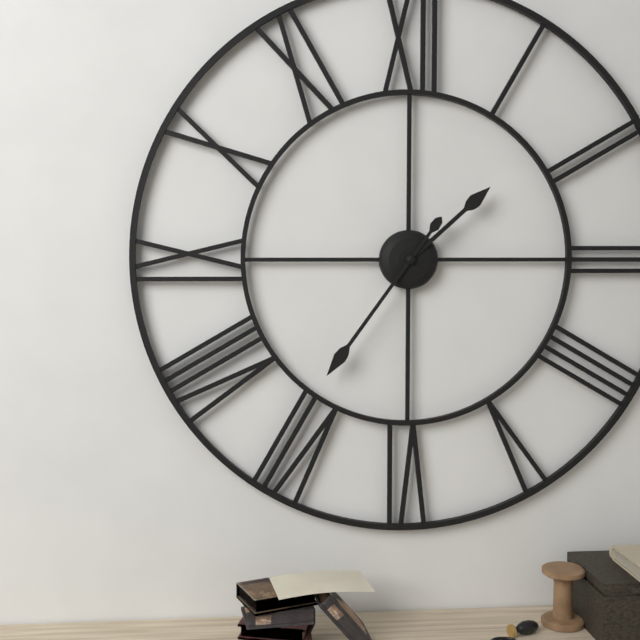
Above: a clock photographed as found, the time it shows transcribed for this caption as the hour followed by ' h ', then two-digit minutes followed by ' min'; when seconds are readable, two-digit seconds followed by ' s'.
1 h 36 min
